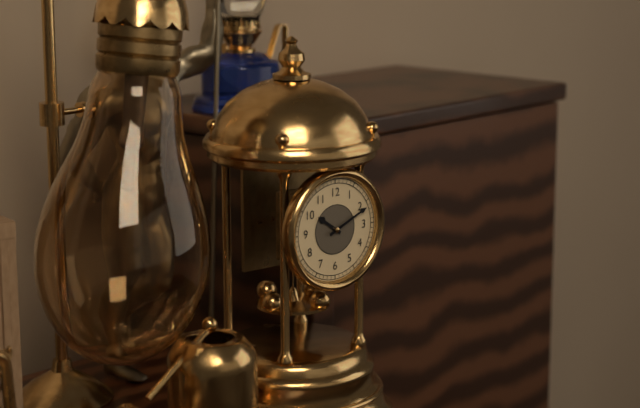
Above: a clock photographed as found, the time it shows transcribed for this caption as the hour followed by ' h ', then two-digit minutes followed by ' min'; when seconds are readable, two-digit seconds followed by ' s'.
10 h 11 min
